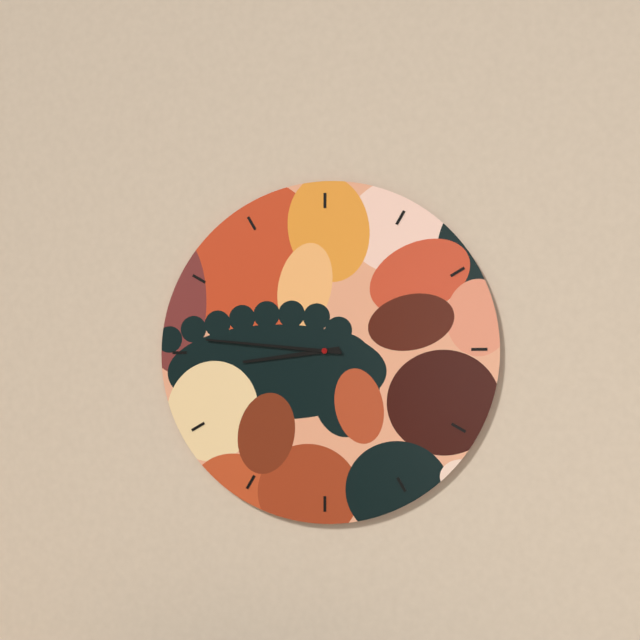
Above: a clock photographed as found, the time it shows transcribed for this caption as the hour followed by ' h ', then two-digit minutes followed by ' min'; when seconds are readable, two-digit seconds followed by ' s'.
8 h 46 min
